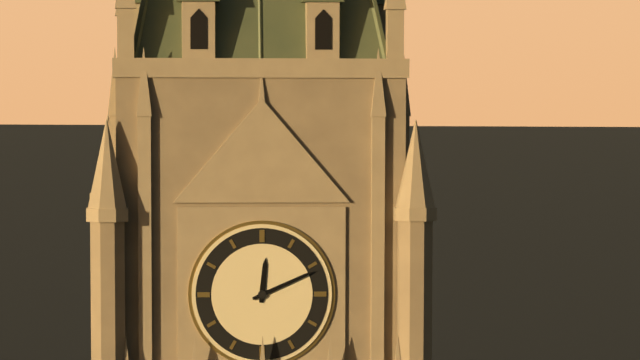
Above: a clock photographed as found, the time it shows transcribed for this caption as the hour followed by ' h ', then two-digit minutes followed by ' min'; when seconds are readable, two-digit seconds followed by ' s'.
12 h 11 min
